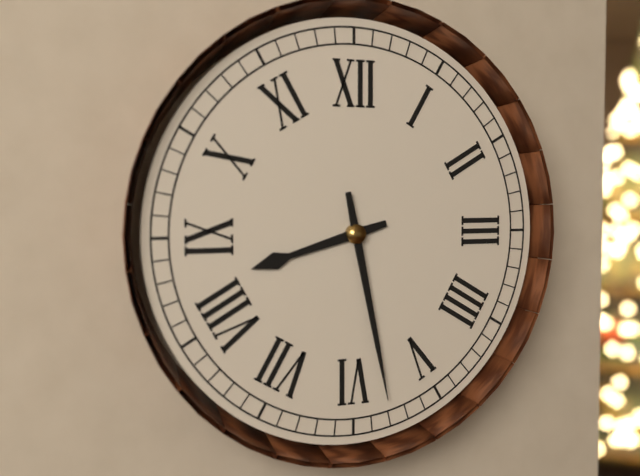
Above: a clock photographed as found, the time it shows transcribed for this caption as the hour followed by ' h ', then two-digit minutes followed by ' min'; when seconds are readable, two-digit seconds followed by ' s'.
8 h 28 min
